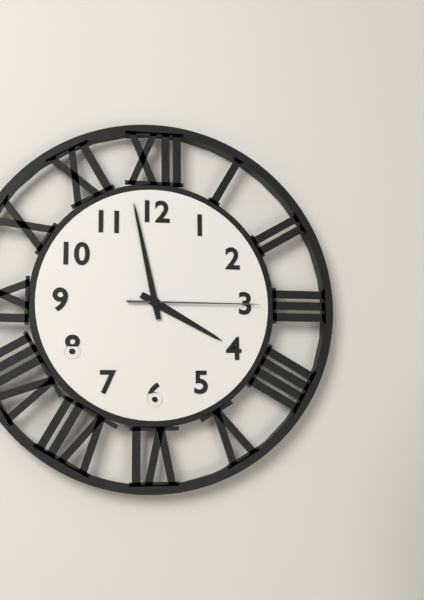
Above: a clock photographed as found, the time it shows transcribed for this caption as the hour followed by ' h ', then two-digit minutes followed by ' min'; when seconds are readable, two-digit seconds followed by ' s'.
3 h 58 min 15 s
